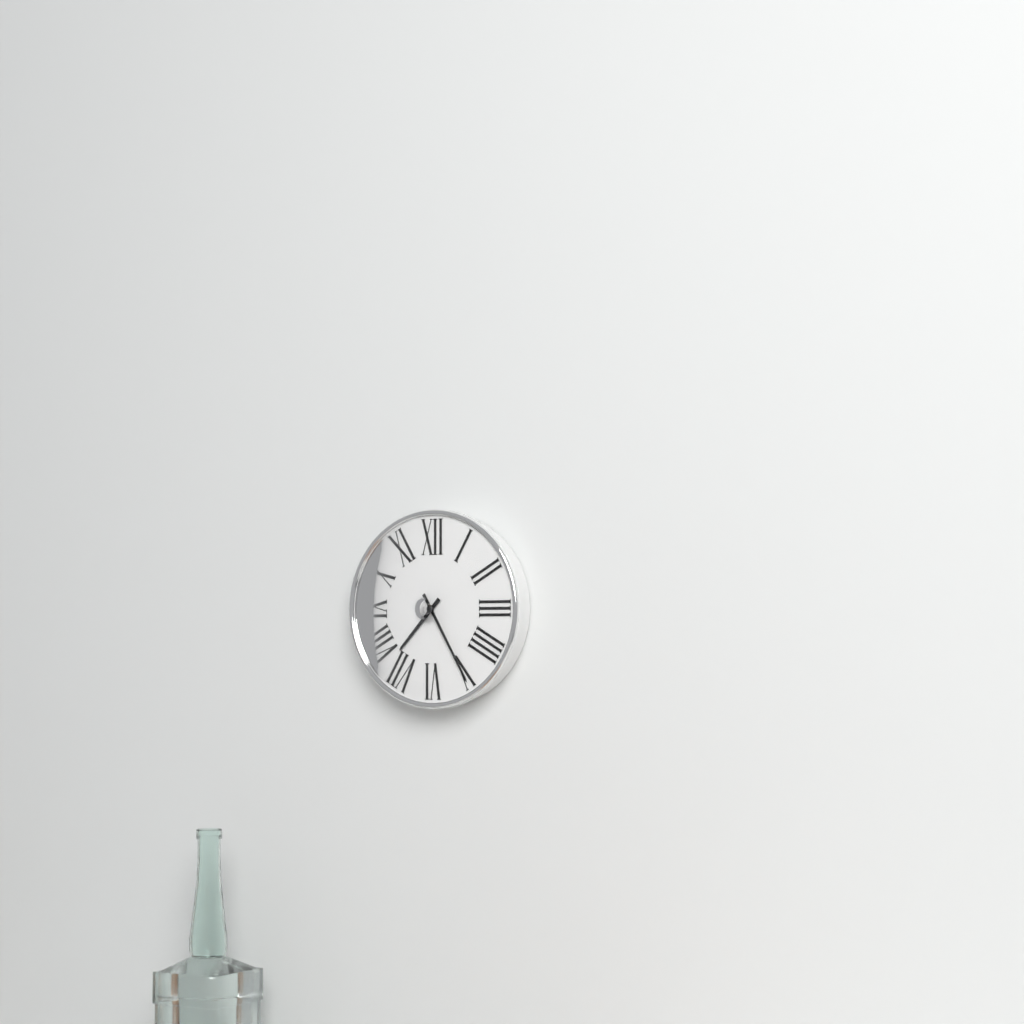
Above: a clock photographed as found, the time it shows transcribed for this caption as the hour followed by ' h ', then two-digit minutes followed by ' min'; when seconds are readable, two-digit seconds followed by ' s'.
7 h 25 min
